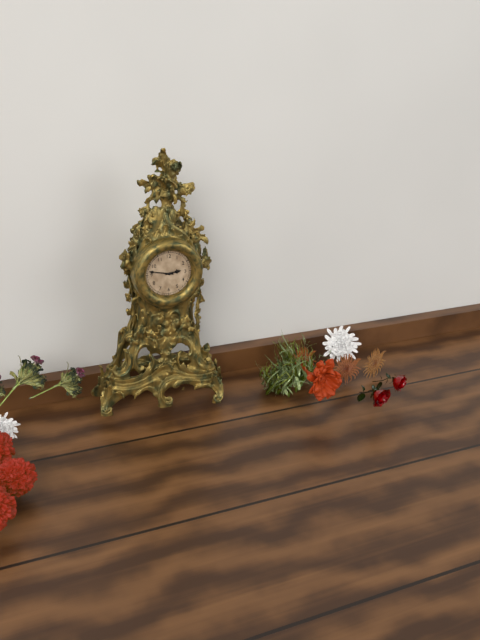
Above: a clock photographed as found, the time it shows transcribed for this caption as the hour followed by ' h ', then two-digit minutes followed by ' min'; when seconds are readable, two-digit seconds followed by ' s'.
2 h 47 min
